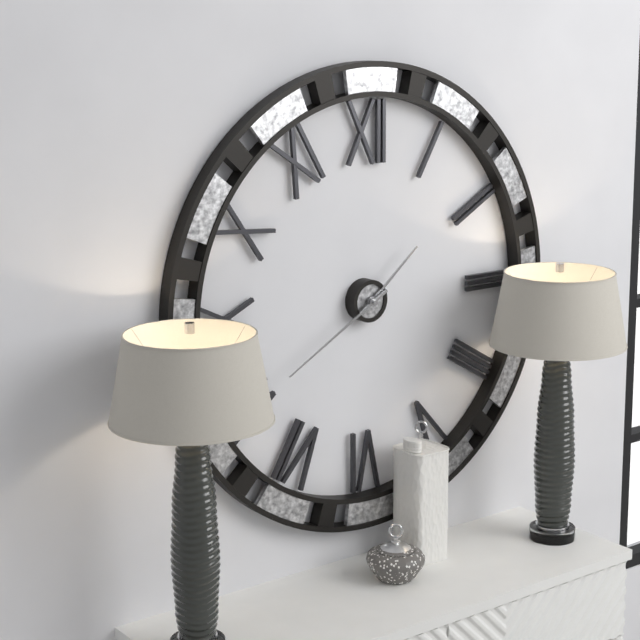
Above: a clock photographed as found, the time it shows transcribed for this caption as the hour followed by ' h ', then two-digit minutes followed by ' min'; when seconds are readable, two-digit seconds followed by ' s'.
1 h 40 min
